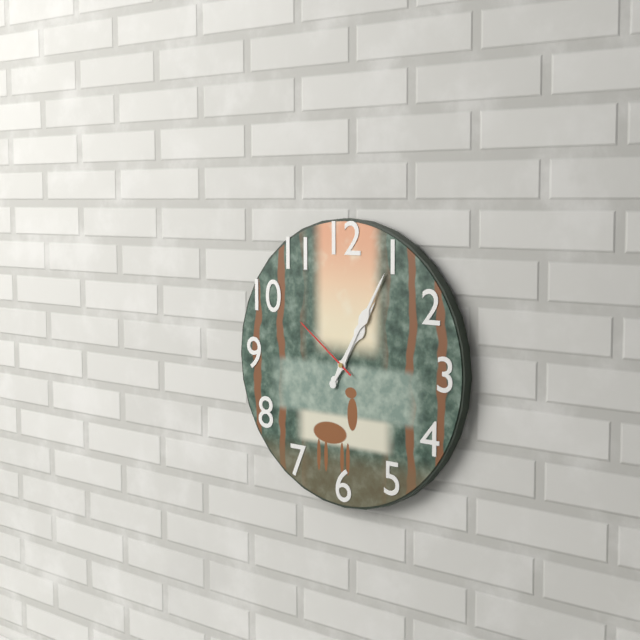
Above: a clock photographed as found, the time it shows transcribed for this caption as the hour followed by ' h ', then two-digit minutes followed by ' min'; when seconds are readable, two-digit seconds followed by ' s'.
1 h 05 min 51 s
